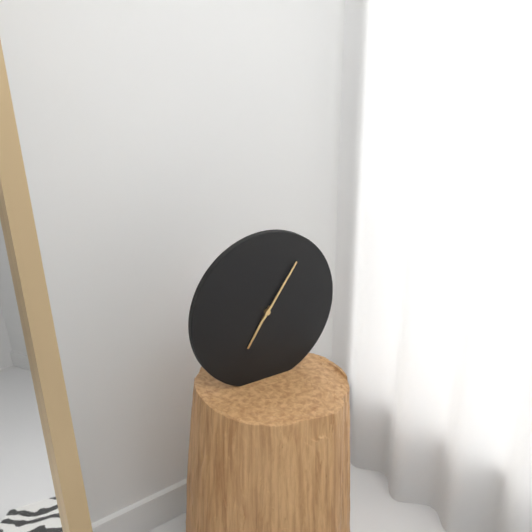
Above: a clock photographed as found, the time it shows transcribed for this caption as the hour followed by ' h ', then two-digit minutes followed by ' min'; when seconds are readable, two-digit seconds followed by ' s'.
7 h 06 min
